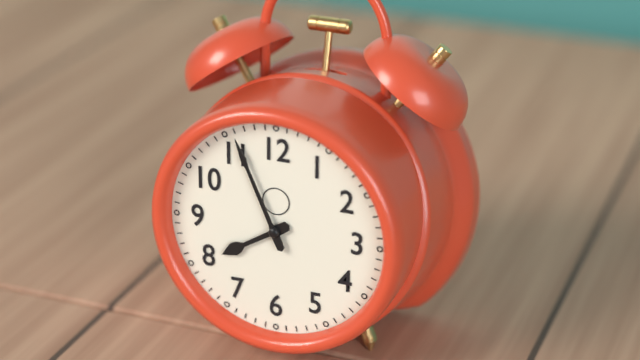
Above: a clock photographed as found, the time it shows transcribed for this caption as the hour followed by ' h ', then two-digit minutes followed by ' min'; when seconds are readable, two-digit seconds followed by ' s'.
7 h 56 min
